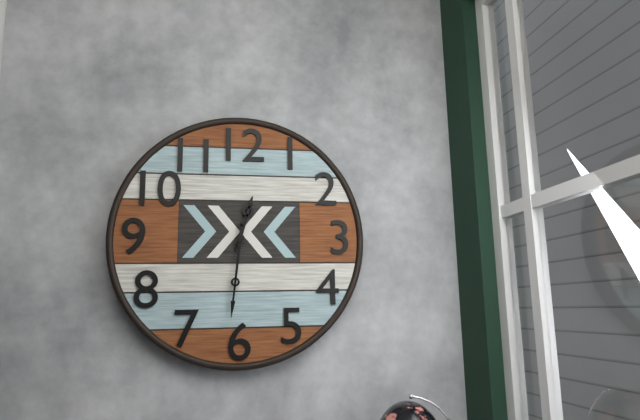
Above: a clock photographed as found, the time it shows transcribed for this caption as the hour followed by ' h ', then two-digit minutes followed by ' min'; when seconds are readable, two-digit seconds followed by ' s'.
12 h 31 min
